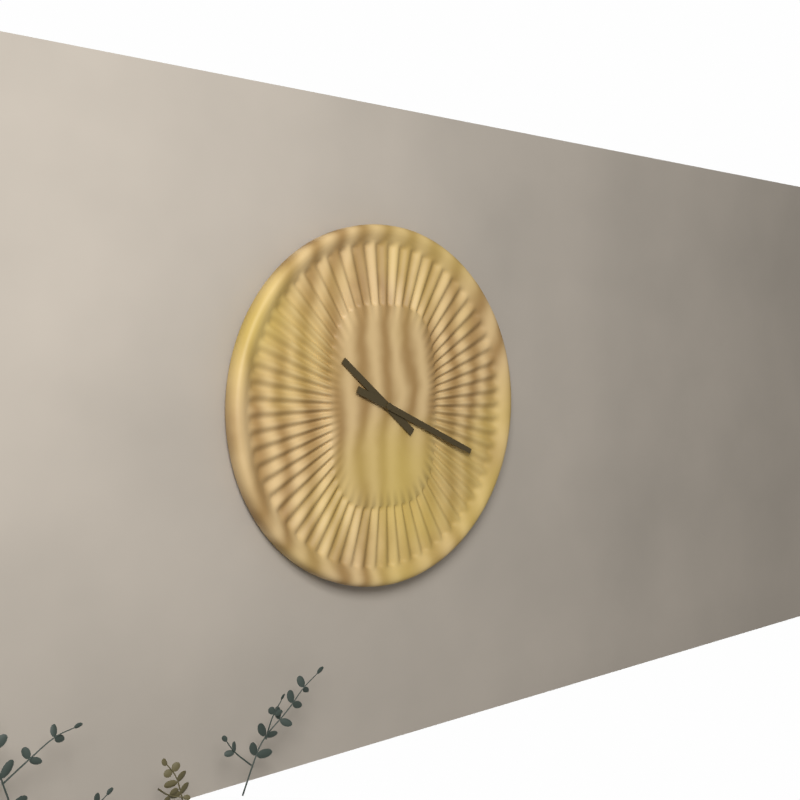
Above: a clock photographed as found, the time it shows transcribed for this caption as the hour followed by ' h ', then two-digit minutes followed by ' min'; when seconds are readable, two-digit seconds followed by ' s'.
10 h 19 min
